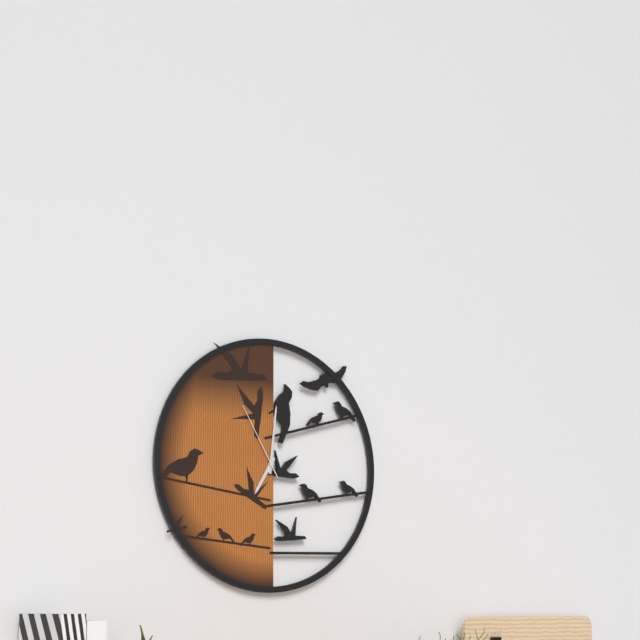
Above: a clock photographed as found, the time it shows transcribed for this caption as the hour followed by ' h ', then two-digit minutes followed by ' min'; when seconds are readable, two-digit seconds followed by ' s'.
7 h 01 min 55 s
